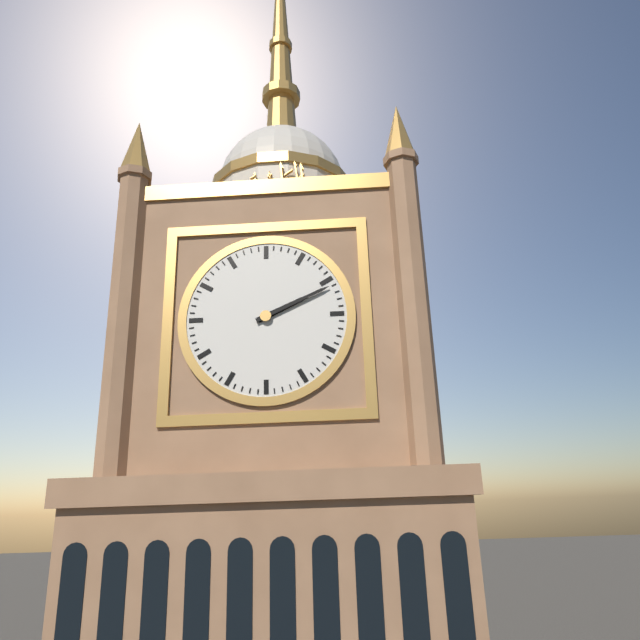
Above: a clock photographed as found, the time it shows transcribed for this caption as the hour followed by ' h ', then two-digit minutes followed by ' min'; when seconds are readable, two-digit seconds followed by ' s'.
2 h 11 min
